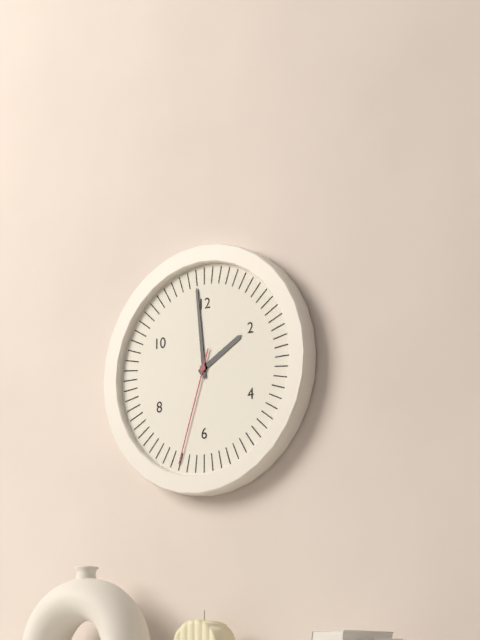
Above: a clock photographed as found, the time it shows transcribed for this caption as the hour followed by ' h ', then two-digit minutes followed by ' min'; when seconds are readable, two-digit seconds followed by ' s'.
1 h 59 min 33 s
